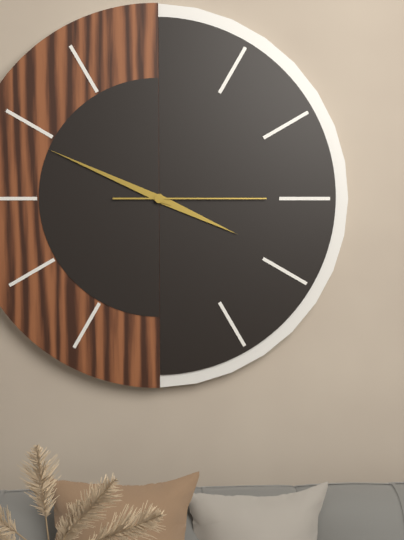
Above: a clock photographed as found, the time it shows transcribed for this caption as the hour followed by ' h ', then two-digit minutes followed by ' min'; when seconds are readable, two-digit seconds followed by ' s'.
3 h 49 min 15 s
